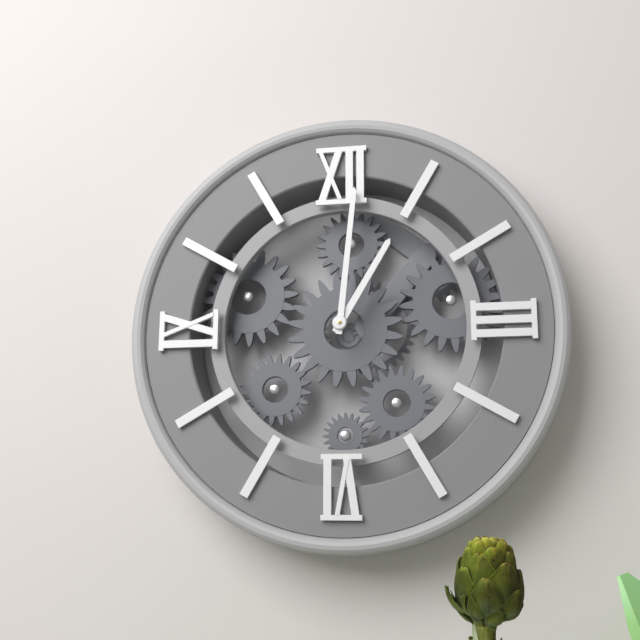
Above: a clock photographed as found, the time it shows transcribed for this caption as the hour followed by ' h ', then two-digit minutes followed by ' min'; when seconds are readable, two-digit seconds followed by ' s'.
1 h 01 min
